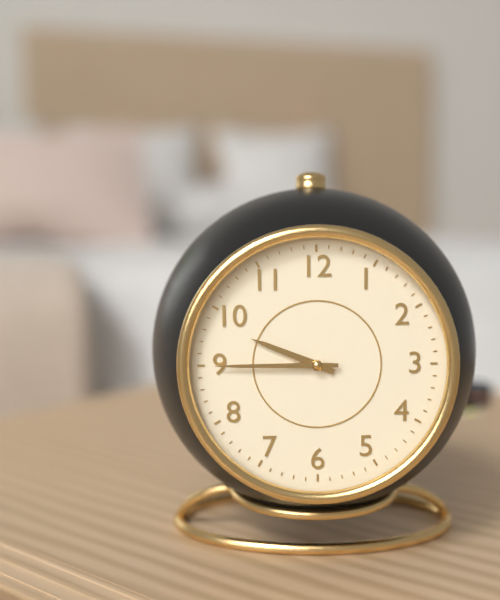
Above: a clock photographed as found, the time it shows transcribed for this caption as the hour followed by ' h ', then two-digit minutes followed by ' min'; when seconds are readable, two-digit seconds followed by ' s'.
9 h 45 min
